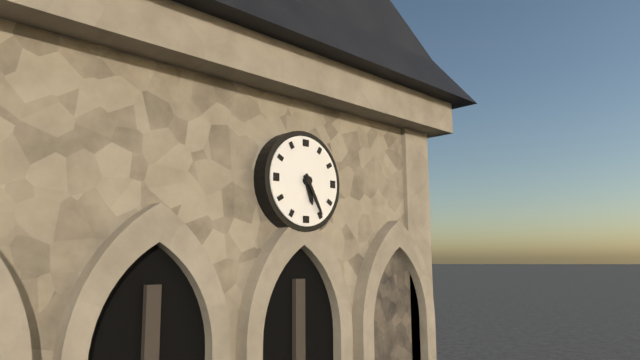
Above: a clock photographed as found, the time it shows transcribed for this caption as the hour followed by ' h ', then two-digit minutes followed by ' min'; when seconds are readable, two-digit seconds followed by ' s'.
5 h 25 min
